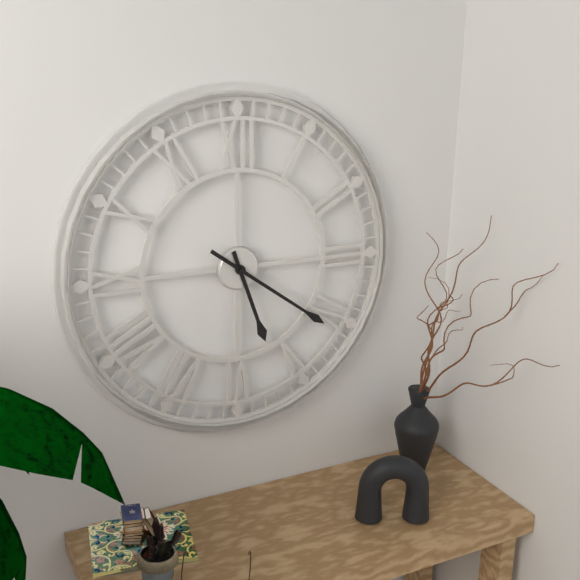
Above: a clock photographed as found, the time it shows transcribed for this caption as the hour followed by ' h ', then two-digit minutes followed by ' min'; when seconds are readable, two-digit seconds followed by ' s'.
5 h 21 min
